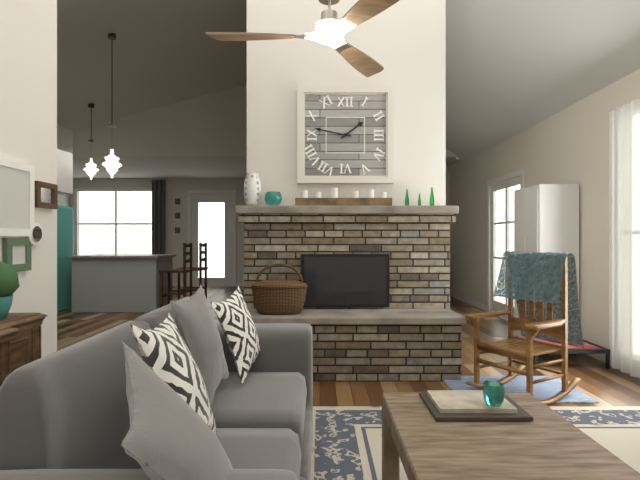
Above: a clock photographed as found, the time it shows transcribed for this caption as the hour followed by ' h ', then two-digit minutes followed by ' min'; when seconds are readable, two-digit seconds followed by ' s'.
1 h 47 min
